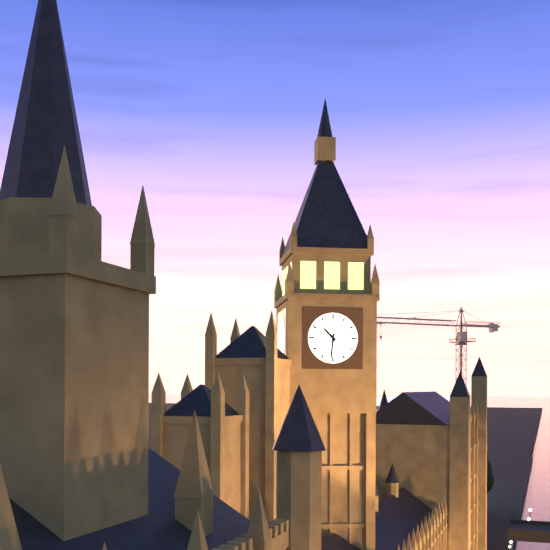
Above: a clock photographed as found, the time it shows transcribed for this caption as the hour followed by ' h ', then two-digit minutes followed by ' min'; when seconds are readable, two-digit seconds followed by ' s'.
10 h 31 min
